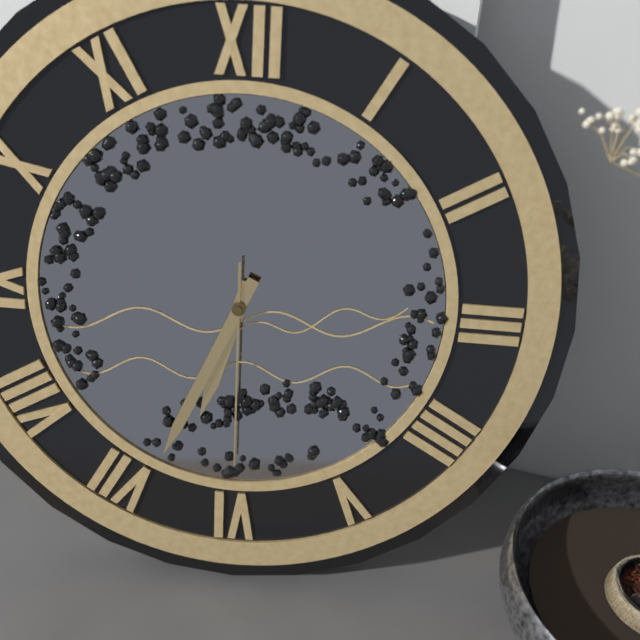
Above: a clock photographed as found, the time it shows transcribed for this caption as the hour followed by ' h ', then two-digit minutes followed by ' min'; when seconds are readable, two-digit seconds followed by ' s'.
6 h 34 min 30 s
